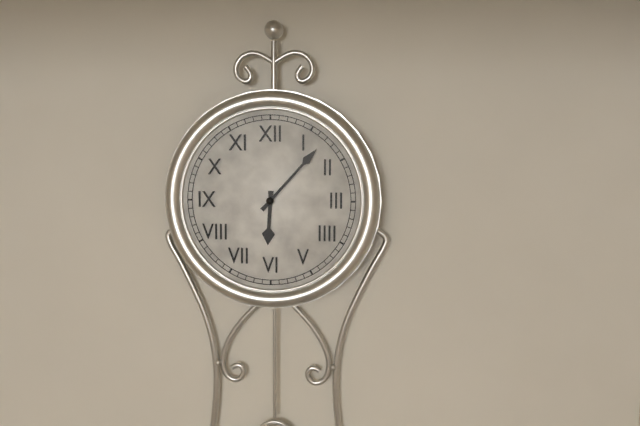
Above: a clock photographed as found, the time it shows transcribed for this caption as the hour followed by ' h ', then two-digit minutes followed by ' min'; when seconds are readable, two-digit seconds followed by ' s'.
6 h 07 min
